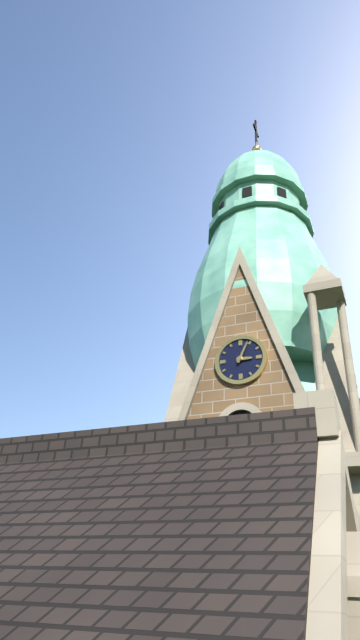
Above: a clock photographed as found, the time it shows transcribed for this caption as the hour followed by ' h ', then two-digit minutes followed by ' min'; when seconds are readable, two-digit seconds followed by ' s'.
3 h 04 min
